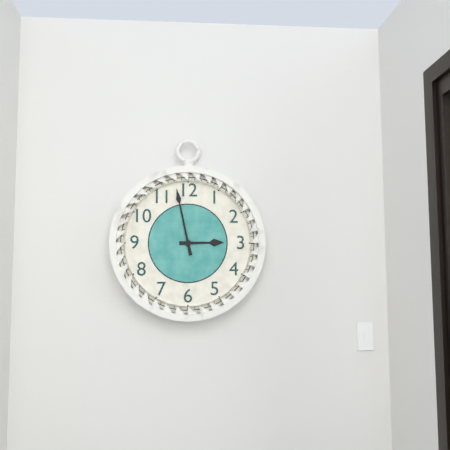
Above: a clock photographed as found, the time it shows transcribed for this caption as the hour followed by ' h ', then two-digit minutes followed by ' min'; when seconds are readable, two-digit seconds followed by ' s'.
2 h 58 min
